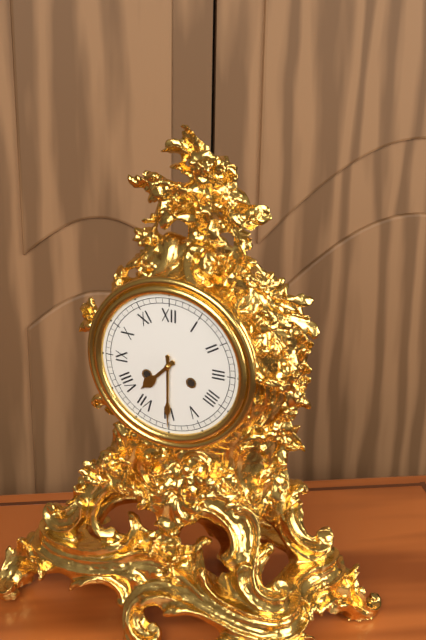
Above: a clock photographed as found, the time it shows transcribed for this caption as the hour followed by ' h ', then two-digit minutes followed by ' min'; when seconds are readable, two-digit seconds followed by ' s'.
7 h 30 min
